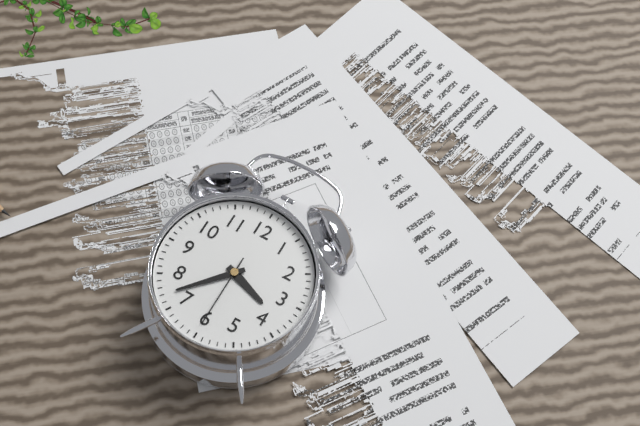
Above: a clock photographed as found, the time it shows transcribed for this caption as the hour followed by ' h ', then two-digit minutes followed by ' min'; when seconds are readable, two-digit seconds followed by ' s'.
3 h 37 min 30 s
